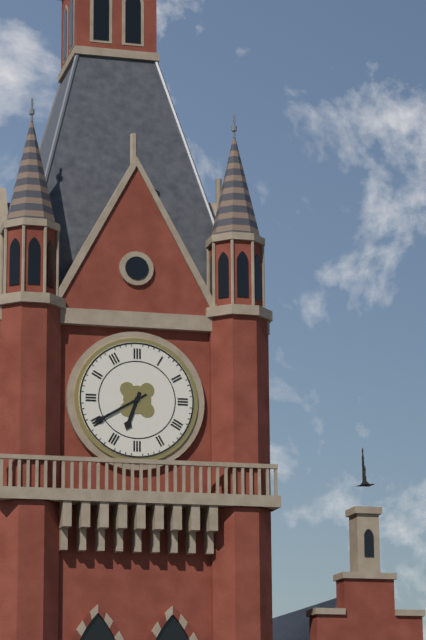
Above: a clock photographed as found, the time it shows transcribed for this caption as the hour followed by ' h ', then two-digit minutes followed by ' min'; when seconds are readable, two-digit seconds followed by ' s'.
6 h 40 min
